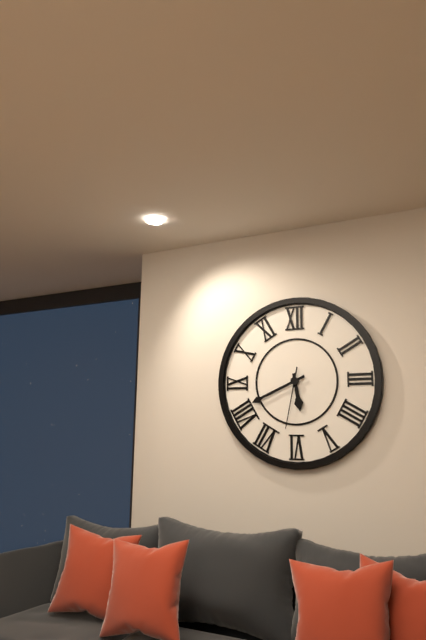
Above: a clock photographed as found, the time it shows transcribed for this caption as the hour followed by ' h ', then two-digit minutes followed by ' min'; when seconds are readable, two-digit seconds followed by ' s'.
5 h 41 min 32 s
